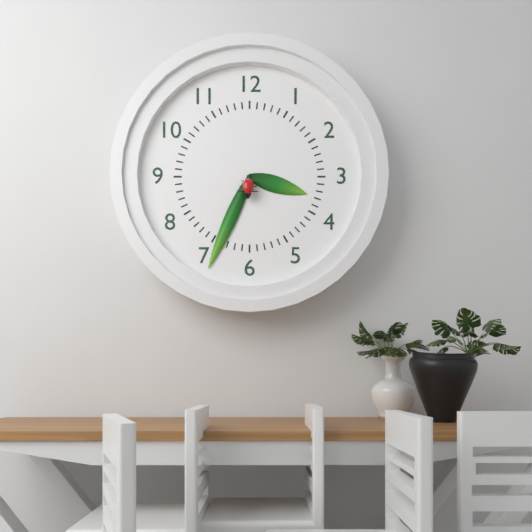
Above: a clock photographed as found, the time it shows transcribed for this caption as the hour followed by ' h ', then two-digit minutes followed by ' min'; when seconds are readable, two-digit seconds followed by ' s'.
3 h 34 min
